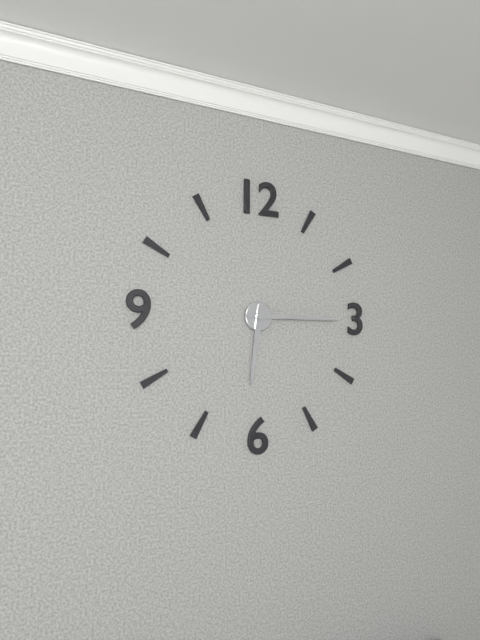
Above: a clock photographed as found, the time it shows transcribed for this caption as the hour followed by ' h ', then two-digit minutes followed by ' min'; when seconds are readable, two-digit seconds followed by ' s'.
6 h 15 min
